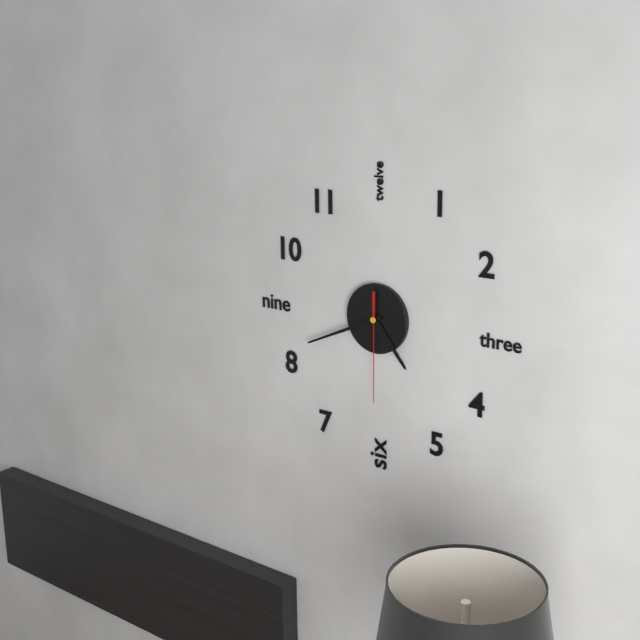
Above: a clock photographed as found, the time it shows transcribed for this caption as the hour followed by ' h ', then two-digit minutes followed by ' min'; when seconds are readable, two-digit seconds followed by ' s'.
4 h 41 min 30 s
